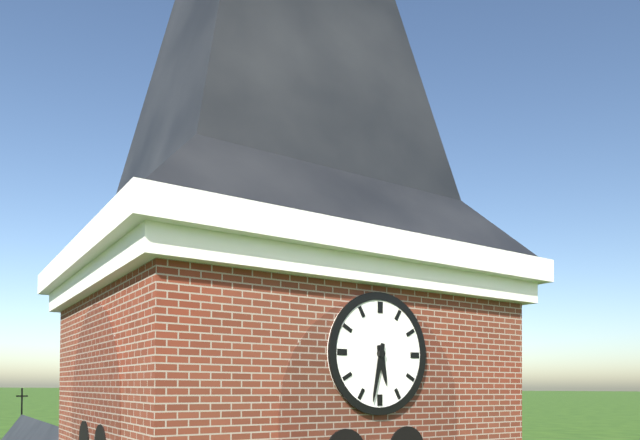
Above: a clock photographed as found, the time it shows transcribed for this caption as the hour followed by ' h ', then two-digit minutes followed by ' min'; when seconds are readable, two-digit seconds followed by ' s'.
5 h 32 min
